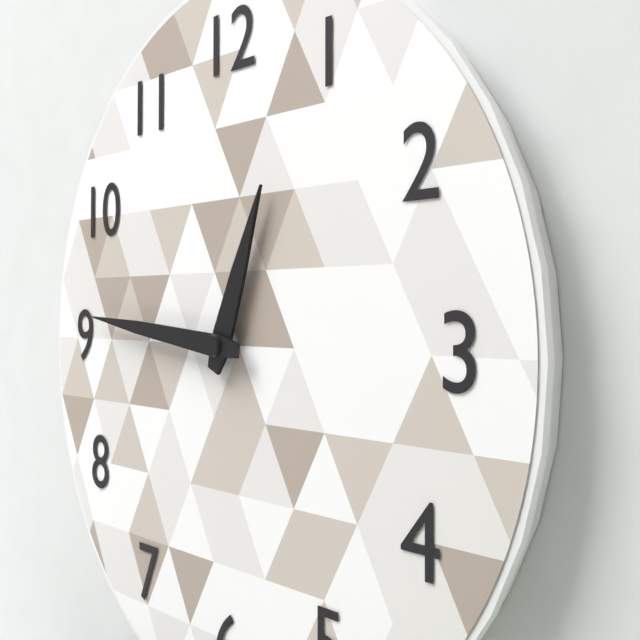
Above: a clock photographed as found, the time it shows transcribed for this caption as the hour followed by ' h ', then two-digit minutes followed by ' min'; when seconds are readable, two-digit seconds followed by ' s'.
12 h 46 min
